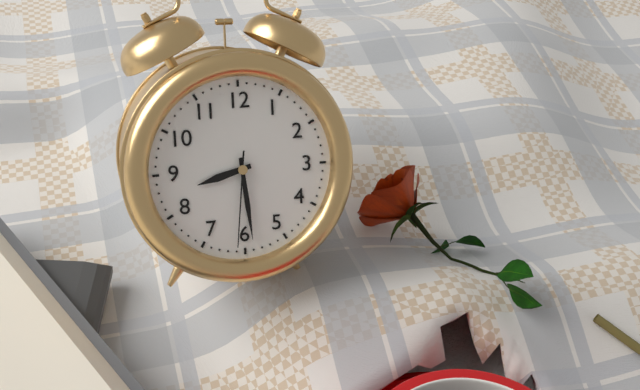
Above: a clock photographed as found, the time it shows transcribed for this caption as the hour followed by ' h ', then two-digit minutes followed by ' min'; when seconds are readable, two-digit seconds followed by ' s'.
8 h 29 min 31 s
